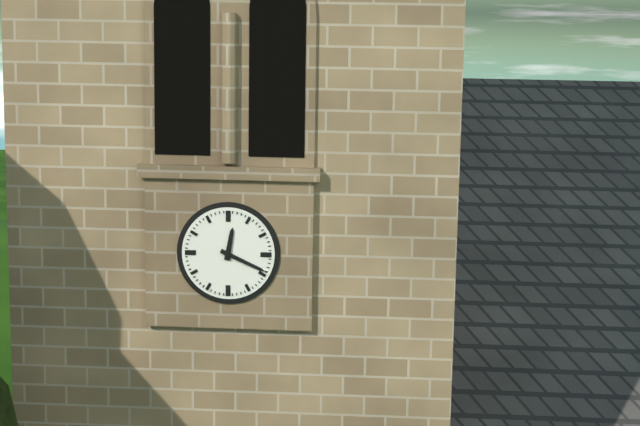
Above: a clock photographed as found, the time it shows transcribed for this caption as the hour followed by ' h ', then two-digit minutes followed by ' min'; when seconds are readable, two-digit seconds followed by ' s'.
12 h 19 min
